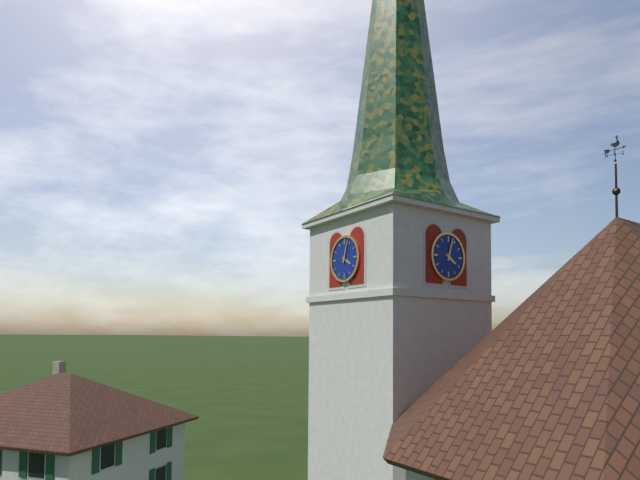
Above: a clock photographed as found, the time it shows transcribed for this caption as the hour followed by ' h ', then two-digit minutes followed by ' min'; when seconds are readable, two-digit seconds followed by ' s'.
4 h 03 min
